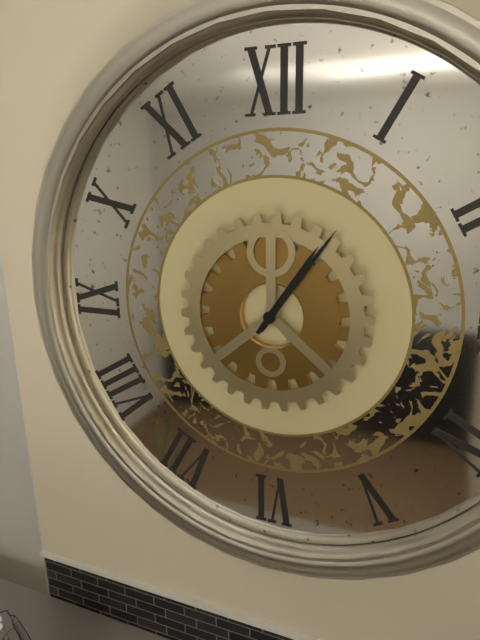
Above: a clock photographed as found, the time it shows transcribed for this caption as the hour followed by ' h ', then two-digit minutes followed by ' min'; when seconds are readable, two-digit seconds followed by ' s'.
1 h 06 min
